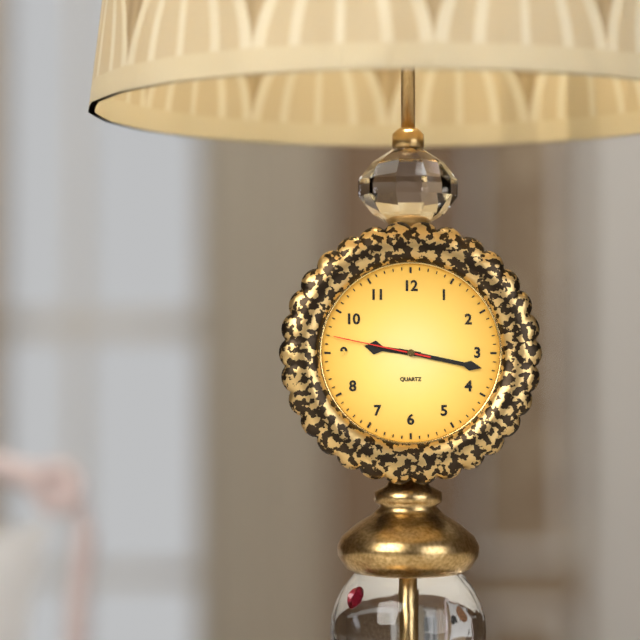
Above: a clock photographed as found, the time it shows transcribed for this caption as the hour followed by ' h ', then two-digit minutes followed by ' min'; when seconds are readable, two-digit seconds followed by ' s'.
9 h 17 min 47 s
